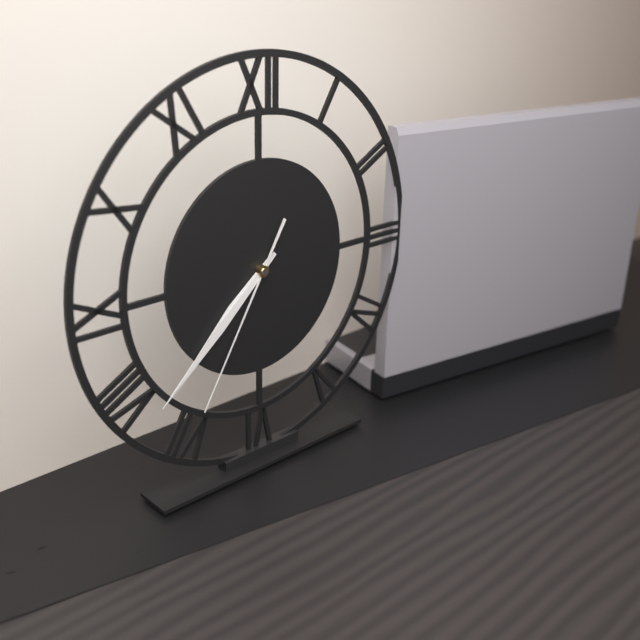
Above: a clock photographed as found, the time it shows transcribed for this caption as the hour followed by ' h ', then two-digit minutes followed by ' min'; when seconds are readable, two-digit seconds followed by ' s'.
7 h 38 min 35 s
